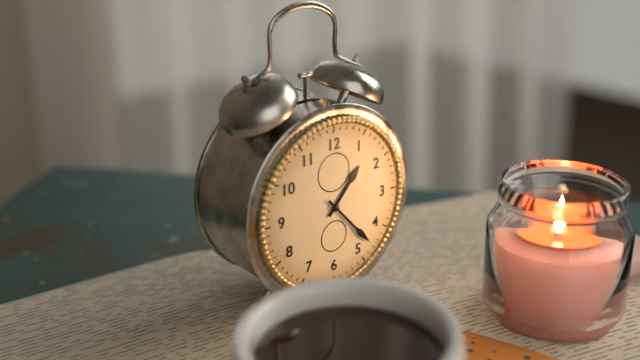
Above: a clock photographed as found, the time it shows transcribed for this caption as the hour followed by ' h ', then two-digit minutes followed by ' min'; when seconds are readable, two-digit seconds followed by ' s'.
1 h 23 min
